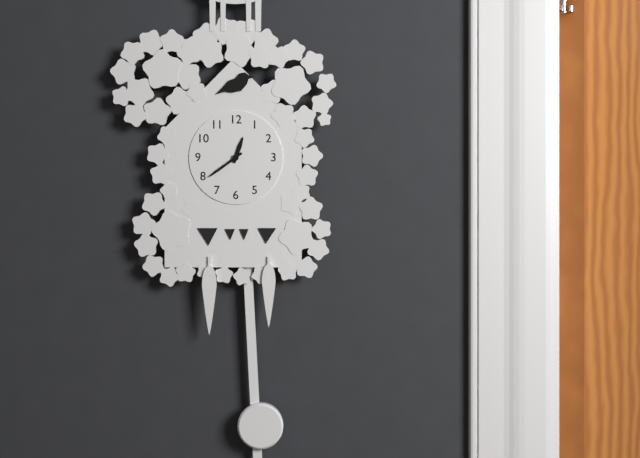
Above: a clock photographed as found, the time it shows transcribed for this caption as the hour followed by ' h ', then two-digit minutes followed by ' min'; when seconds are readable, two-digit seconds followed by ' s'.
12 h 39 min
